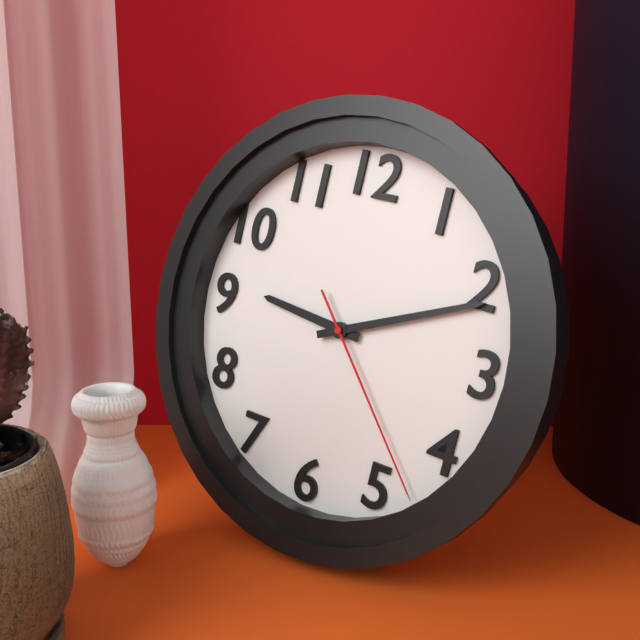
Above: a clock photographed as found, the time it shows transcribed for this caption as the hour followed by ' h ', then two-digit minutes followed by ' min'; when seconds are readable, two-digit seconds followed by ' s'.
9 h 11 min 23 s
